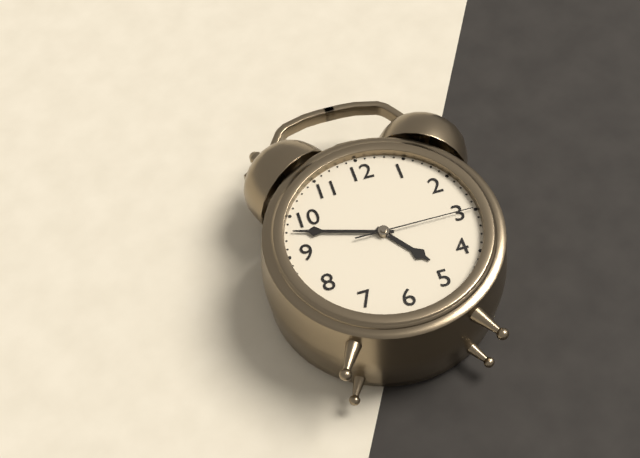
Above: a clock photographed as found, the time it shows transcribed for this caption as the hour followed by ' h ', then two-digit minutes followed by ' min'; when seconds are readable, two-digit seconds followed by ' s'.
4 h 48 min 15 s
